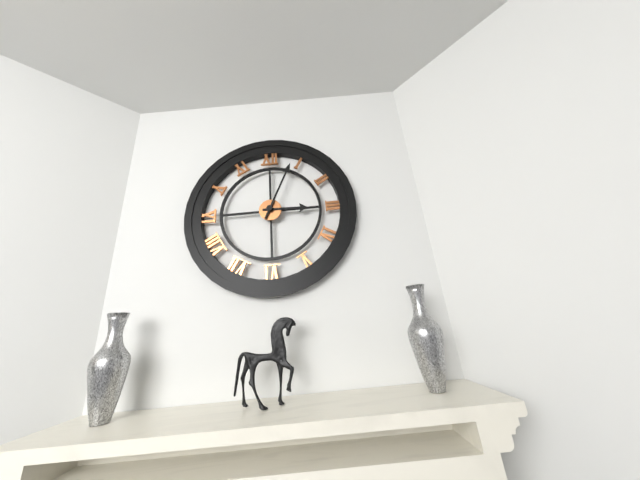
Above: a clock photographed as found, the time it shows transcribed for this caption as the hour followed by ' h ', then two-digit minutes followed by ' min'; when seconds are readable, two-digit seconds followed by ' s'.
3 h 04 min
